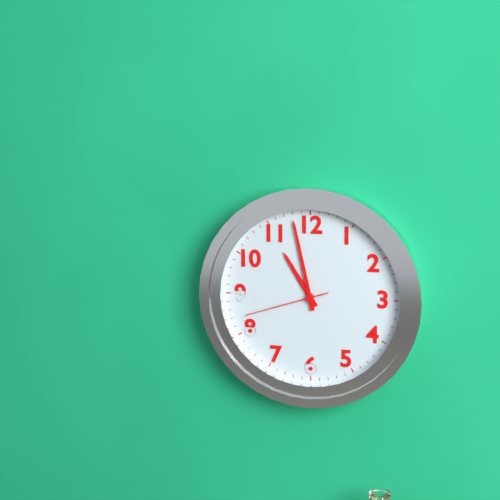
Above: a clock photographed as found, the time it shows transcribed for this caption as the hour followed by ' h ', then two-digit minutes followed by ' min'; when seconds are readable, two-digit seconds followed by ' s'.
10 h 58 min 42 s
